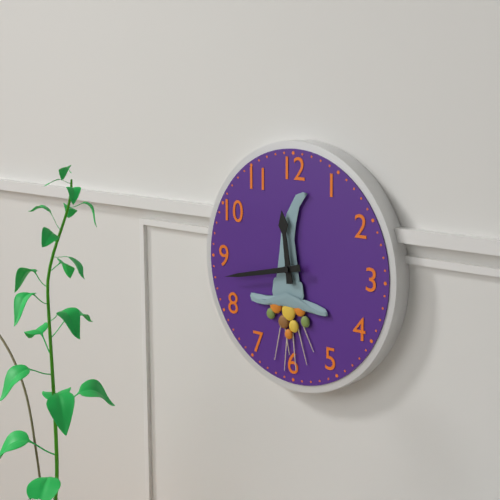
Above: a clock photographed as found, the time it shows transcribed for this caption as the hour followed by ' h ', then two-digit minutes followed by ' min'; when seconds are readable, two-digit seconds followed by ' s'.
11 h 43 min
